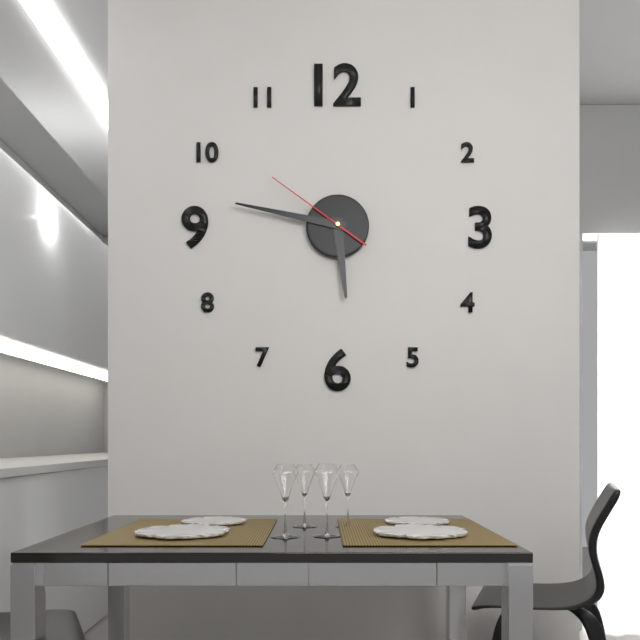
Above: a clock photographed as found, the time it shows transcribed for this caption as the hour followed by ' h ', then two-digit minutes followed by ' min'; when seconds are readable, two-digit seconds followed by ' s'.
5 h 47 min 51 s
